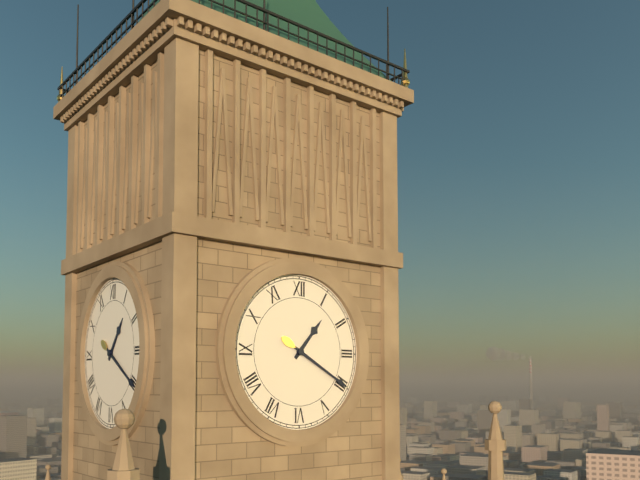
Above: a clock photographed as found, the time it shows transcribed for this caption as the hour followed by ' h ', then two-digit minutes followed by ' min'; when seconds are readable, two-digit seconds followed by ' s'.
1 h 20 min
